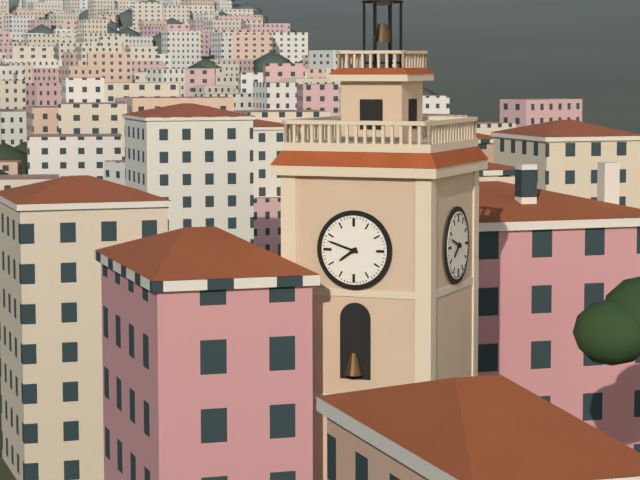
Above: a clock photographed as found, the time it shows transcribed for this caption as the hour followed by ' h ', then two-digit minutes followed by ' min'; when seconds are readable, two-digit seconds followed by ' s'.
7 h 48 min
